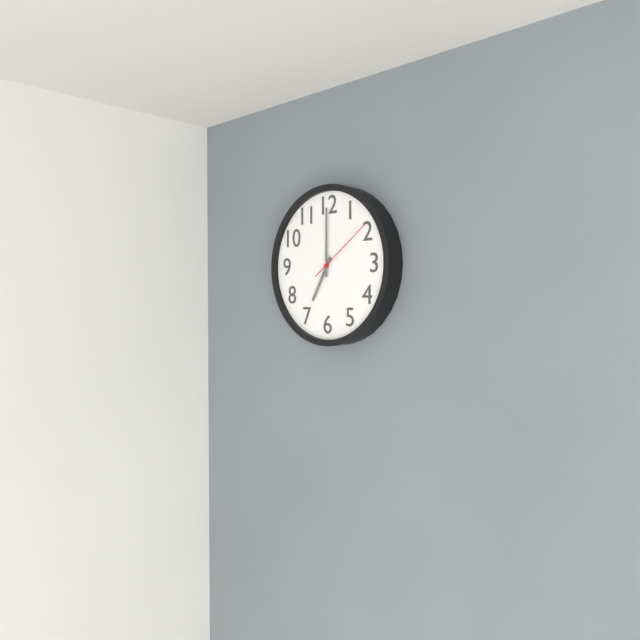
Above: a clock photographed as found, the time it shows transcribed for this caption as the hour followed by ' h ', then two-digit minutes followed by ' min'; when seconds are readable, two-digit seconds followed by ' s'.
7 h 00 min 09 s
